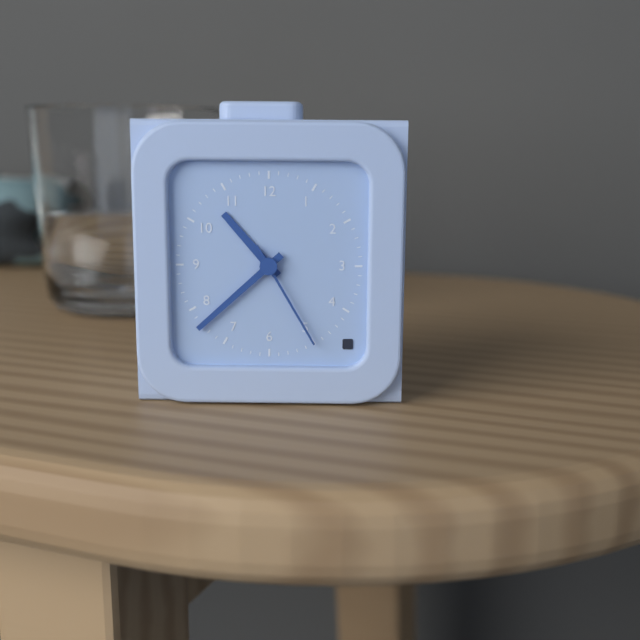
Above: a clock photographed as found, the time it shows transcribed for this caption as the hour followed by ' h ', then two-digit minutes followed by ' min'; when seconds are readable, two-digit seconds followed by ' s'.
10 h 38 min 25 s
